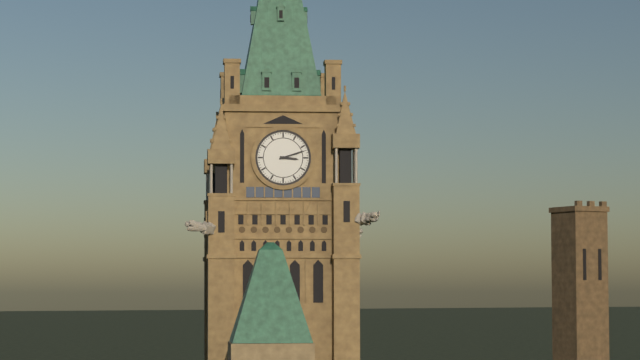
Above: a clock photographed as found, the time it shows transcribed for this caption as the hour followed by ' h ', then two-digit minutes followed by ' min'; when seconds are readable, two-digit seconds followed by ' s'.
3 h 12 min
